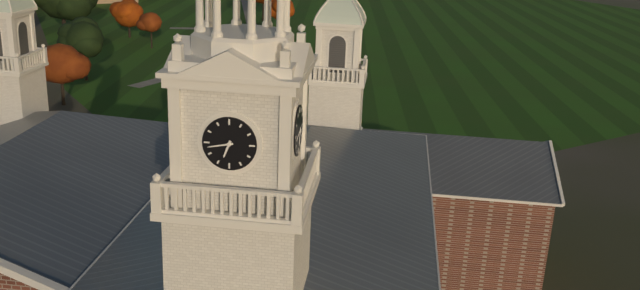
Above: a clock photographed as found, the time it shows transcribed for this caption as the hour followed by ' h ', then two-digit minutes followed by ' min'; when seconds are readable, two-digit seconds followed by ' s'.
6 h 43 min
